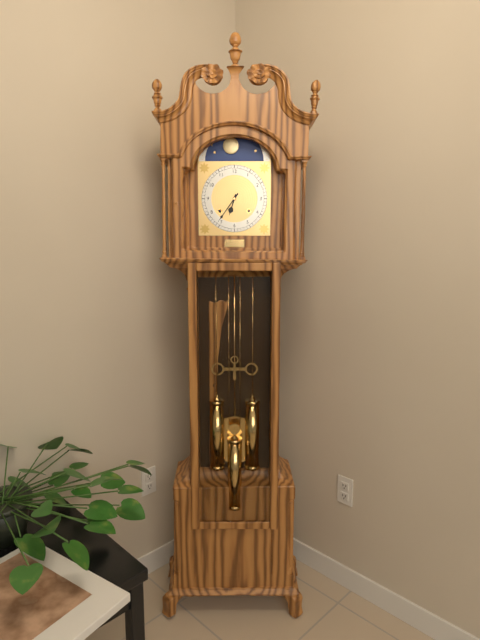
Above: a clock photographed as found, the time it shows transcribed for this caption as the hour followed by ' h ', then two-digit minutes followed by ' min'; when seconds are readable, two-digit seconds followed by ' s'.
6 h 36 min
